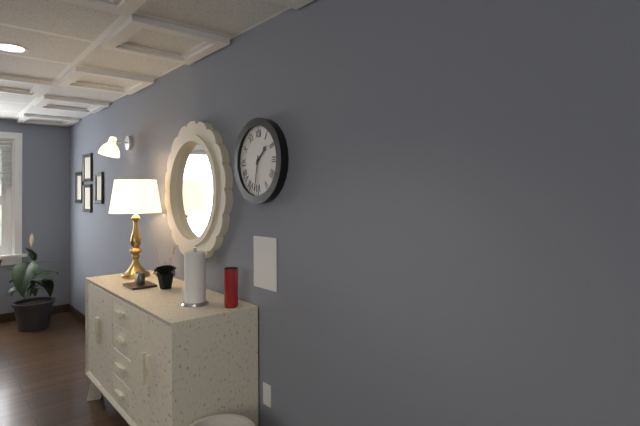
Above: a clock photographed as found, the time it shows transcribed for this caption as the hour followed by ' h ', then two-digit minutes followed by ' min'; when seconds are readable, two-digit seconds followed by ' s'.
1 h 32 min
